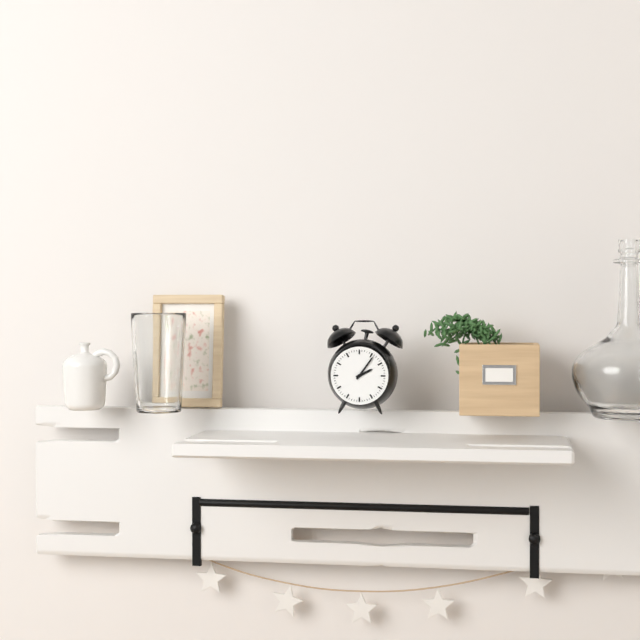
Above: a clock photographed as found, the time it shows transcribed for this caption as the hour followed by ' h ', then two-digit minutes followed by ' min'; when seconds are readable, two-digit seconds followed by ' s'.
2 h 06 min
